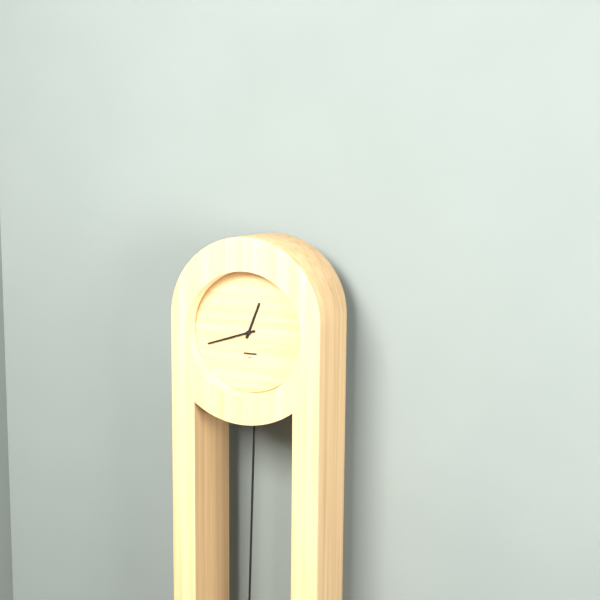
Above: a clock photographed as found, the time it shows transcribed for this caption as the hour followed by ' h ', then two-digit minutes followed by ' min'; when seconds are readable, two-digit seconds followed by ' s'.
12 h 42 min
